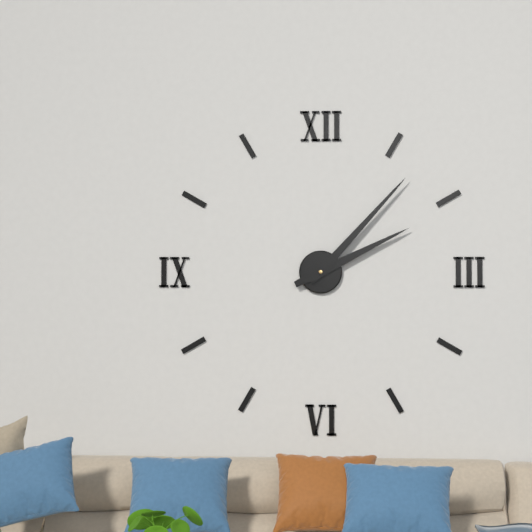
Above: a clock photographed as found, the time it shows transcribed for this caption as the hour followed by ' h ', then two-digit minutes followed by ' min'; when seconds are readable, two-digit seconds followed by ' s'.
2 h 07 min
